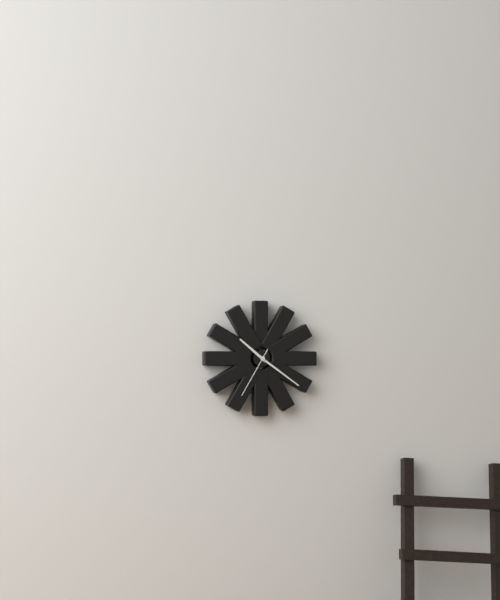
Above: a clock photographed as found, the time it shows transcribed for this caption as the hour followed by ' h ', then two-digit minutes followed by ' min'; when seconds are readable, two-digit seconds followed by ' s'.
10 h 21 min 35 s
